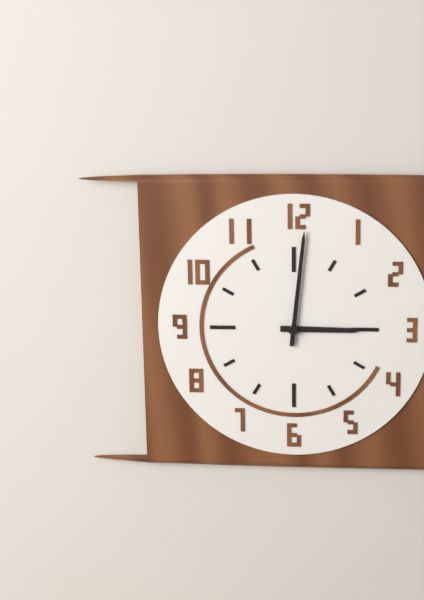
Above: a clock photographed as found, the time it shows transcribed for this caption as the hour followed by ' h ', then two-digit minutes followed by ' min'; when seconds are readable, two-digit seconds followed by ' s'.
3 h 01 min
